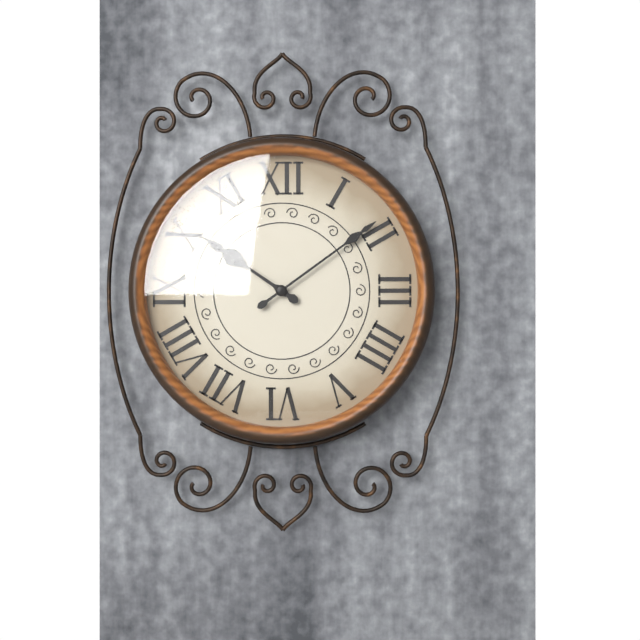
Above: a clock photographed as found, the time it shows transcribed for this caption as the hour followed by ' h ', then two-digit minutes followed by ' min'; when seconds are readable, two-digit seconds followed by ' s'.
10 h 09 min
